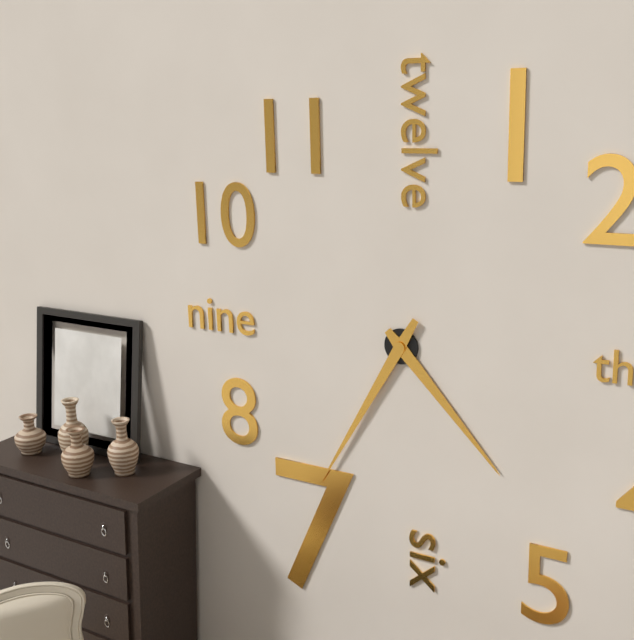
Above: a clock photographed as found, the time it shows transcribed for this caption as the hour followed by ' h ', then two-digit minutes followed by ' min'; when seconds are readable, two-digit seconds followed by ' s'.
4 h 35 min
